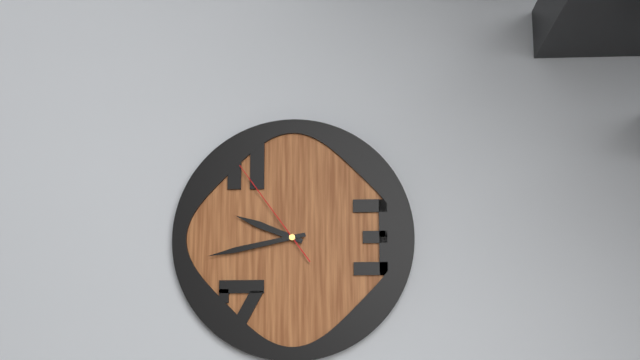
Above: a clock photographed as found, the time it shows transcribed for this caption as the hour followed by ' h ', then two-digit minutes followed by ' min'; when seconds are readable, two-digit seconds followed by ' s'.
9 h 43 min 54 s
